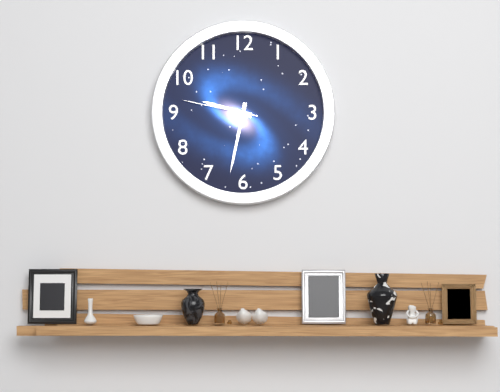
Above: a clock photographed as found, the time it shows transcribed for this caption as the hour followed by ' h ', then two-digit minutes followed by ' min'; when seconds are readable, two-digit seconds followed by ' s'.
9 h 32 min 47 s
